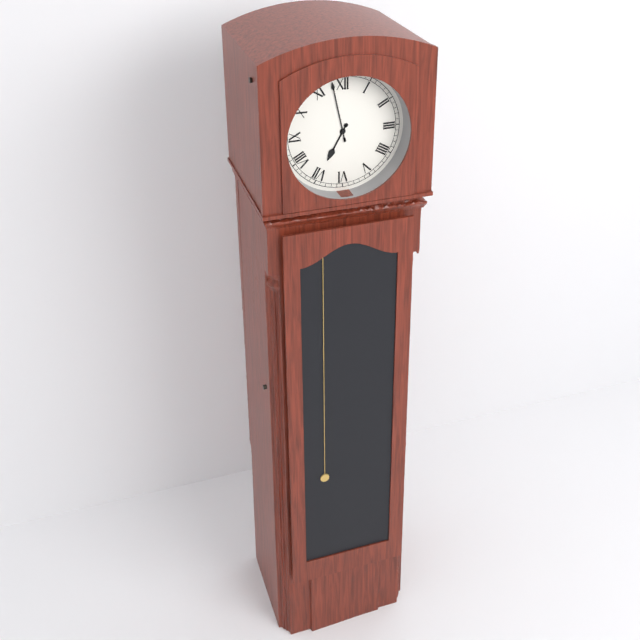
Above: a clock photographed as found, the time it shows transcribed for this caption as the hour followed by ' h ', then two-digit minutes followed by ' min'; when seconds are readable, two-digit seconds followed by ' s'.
6 h 58 min
